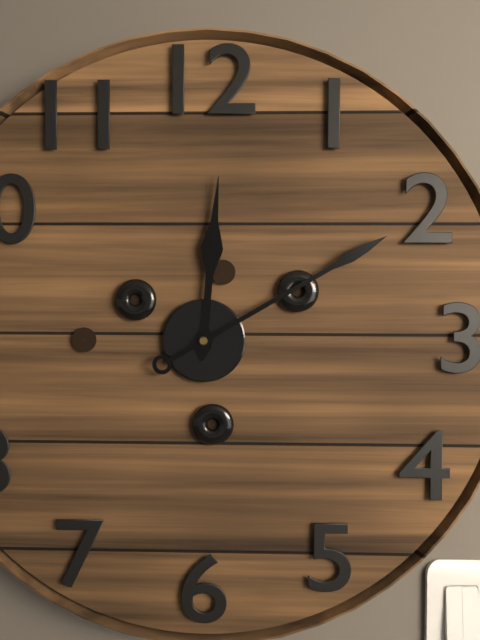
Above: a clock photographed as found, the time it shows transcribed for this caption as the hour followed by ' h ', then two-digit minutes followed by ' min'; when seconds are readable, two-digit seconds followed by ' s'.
12 h 10 min
